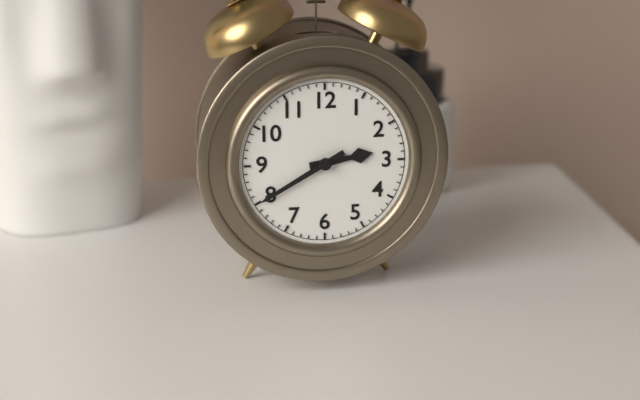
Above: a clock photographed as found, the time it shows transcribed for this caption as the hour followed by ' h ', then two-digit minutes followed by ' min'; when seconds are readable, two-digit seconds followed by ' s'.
2 h 40 min
